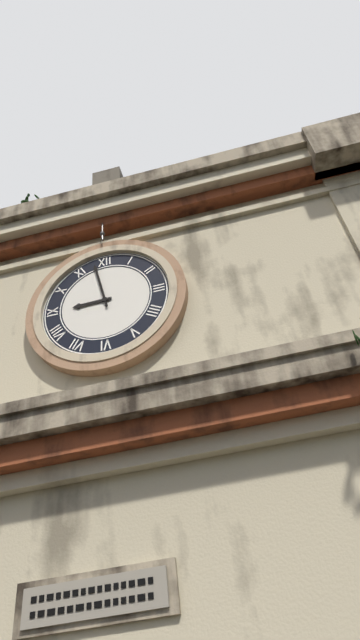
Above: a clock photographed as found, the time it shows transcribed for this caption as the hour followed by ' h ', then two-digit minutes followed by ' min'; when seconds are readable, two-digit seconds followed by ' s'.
8 h 58 min
